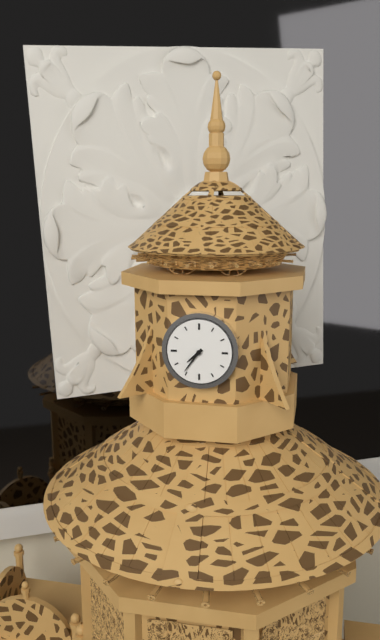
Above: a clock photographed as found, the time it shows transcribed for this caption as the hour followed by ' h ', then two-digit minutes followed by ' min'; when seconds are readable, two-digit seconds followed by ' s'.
7 h 36 min
